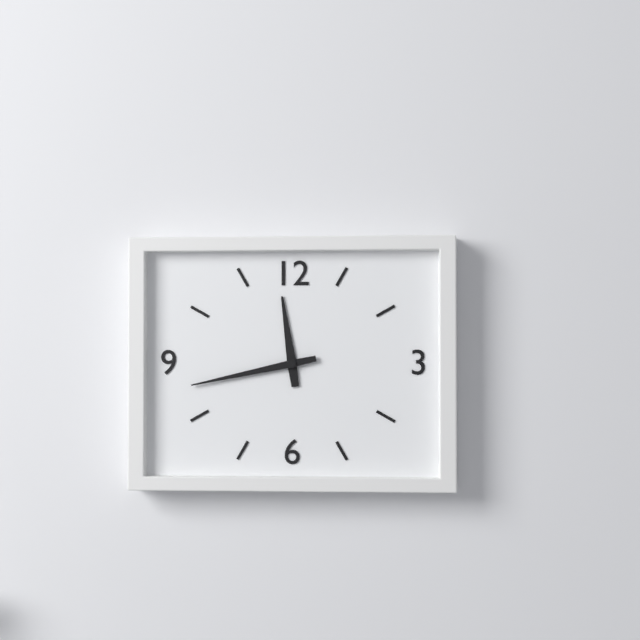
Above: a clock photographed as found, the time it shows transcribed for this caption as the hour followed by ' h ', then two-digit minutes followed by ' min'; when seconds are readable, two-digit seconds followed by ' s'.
11 h 43 min
